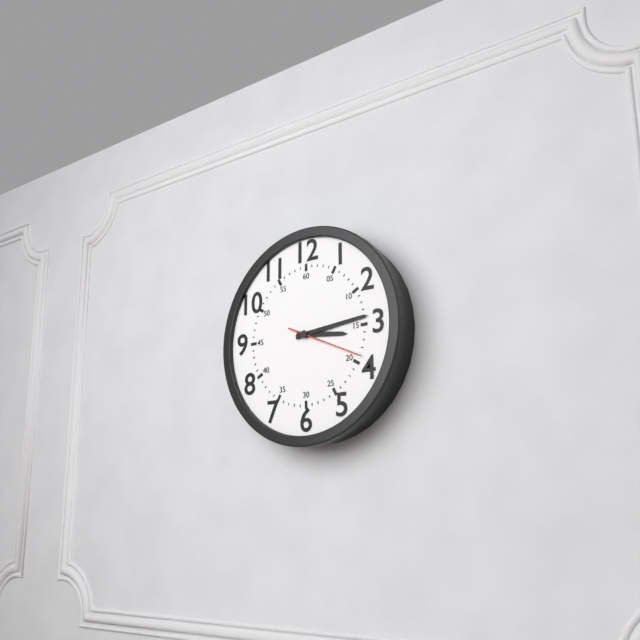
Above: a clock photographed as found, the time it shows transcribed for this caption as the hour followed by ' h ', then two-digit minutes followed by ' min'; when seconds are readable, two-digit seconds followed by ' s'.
3 h 14 min 19 s
